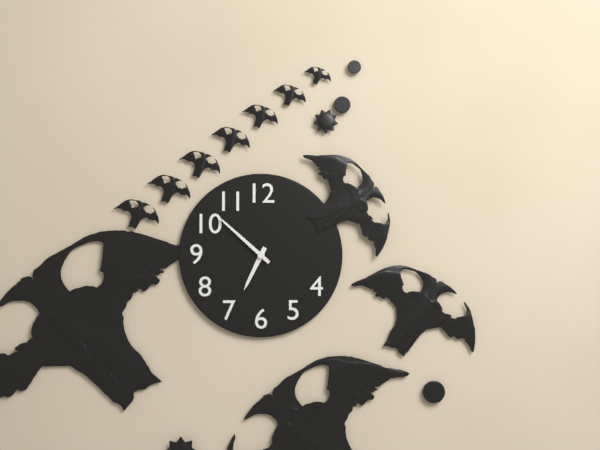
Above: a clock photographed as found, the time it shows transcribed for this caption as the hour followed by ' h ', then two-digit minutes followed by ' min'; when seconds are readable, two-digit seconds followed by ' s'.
6 h 52 min
